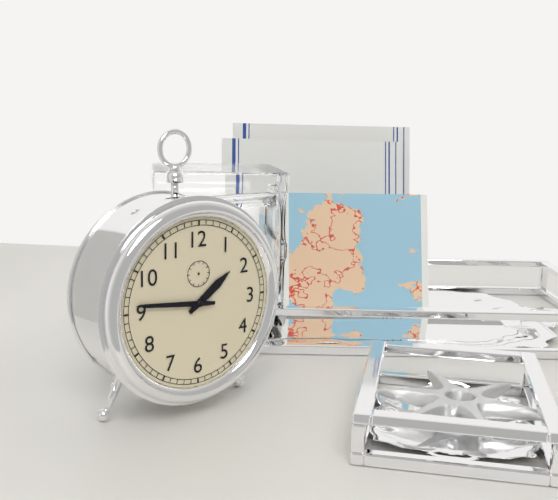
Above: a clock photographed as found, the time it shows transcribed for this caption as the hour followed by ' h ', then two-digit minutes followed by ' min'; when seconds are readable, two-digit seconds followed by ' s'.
1 h 46 min
